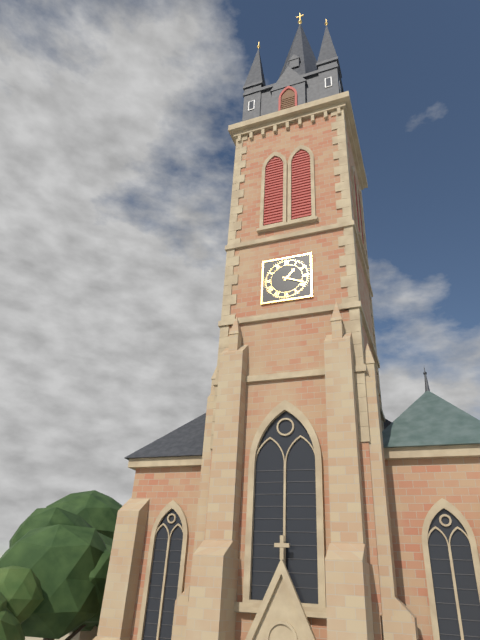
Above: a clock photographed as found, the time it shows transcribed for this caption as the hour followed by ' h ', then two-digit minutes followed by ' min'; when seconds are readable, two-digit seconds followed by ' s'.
1 h 19 min
